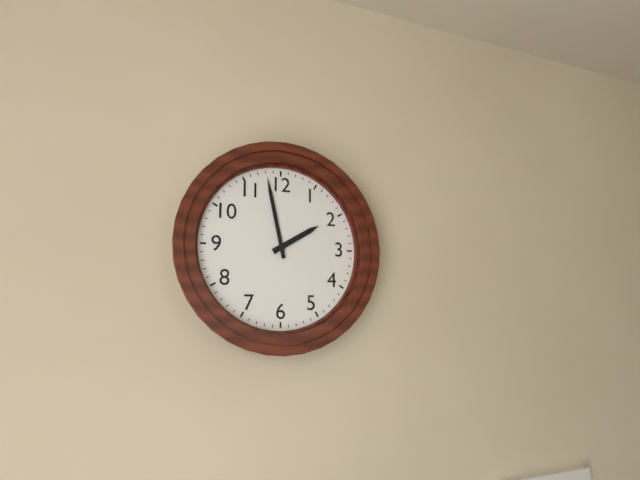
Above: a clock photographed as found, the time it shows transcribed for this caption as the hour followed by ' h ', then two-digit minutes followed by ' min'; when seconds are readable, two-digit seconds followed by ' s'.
1 h 58 min
